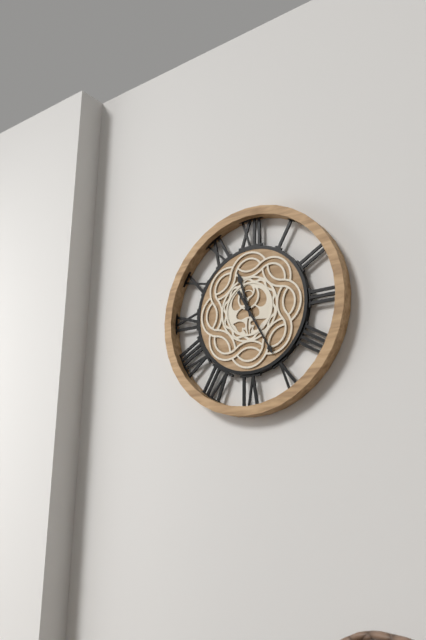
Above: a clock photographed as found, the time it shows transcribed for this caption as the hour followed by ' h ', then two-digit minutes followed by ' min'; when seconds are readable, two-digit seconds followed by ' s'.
11 h 25 min
